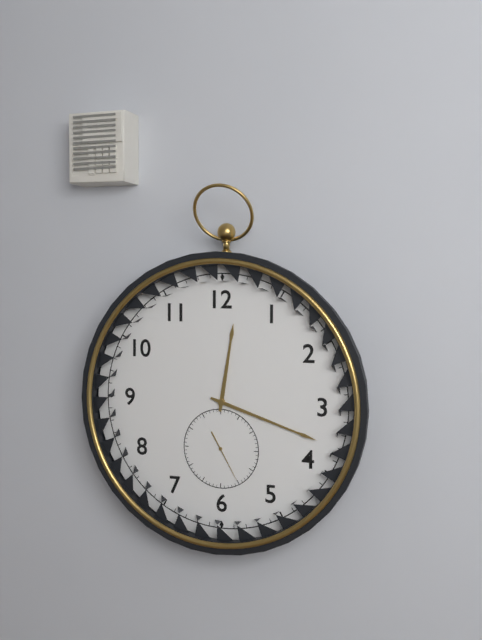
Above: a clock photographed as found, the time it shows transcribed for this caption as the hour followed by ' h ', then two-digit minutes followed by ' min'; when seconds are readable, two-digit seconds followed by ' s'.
12 h 18 min
